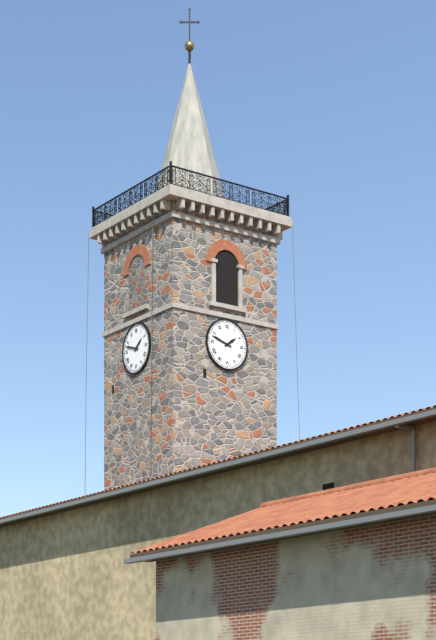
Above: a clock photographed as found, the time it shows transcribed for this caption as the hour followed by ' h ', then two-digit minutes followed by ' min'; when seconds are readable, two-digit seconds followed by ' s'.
1 h 48 min
